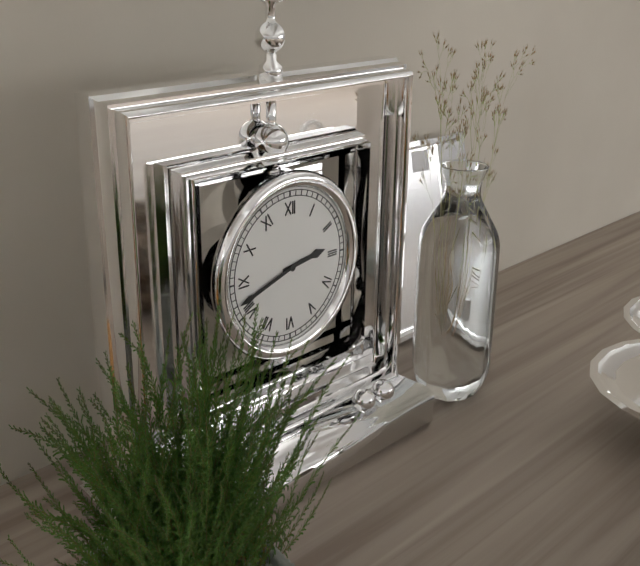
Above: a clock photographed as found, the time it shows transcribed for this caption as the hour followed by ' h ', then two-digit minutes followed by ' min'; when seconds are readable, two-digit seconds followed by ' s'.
2 h 42 min
